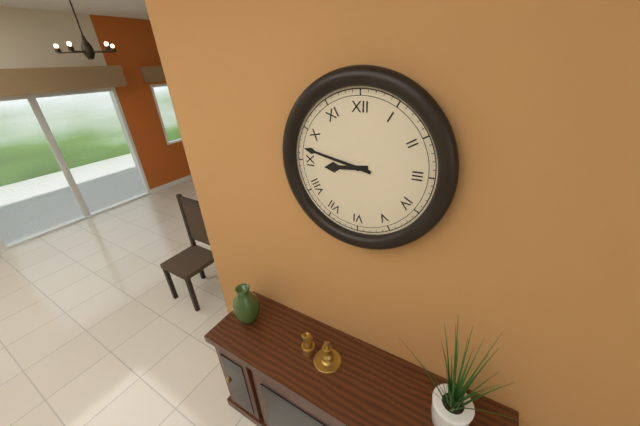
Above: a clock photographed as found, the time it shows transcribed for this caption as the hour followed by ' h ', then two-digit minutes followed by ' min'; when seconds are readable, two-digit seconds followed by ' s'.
8 h 47 min
